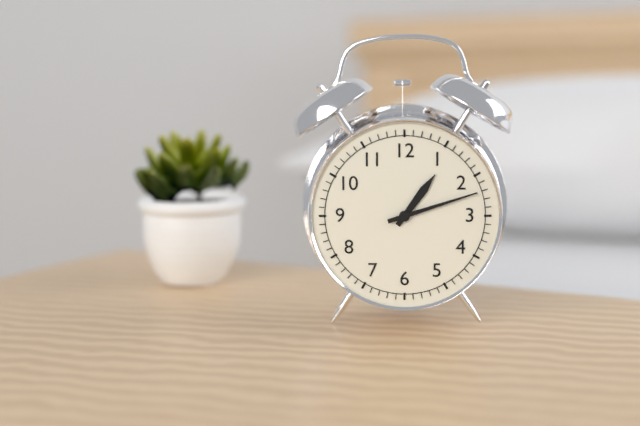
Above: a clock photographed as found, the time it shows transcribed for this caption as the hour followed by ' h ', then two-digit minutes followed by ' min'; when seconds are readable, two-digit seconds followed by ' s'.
1 h 12 min
